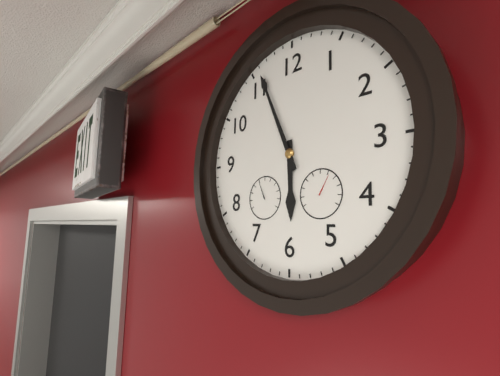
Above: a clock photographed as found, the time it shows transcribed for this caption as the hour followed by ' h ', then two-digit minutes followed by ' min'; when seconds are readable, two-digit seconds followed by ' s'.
5 h 56 min
